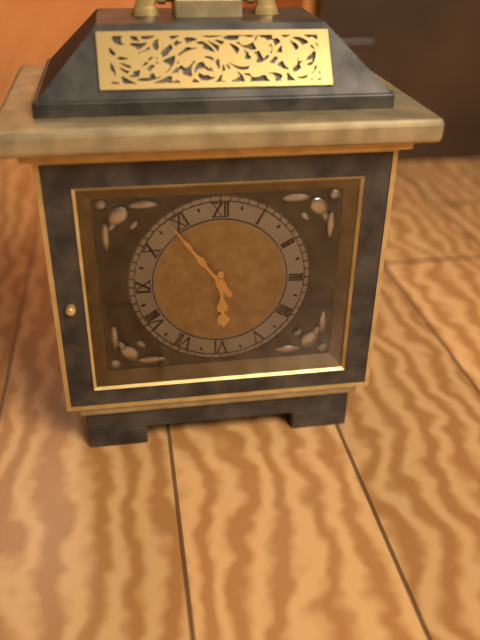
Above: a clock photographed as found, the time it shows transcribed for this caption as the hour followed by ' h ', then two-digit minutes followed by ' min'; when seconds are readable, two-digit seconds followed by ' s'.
5 h 54 min
